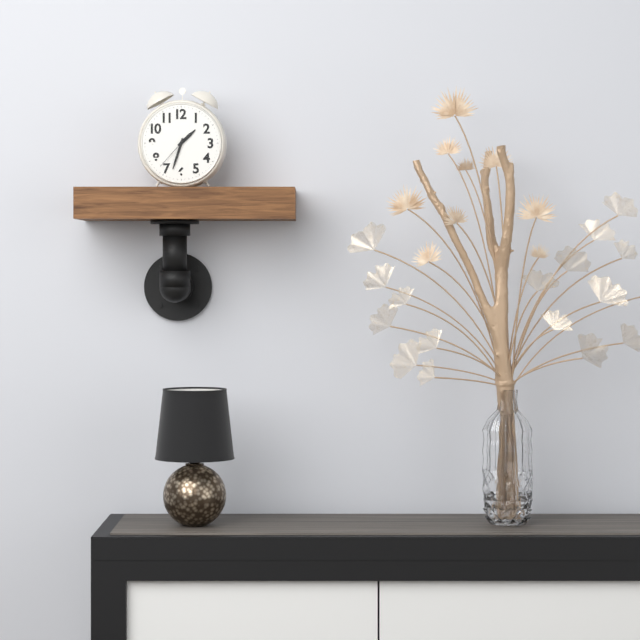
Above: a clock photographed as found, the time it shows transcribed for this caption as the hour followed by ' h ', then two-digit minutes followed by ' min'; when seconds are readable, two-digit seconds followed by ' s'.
1 h 33 min
